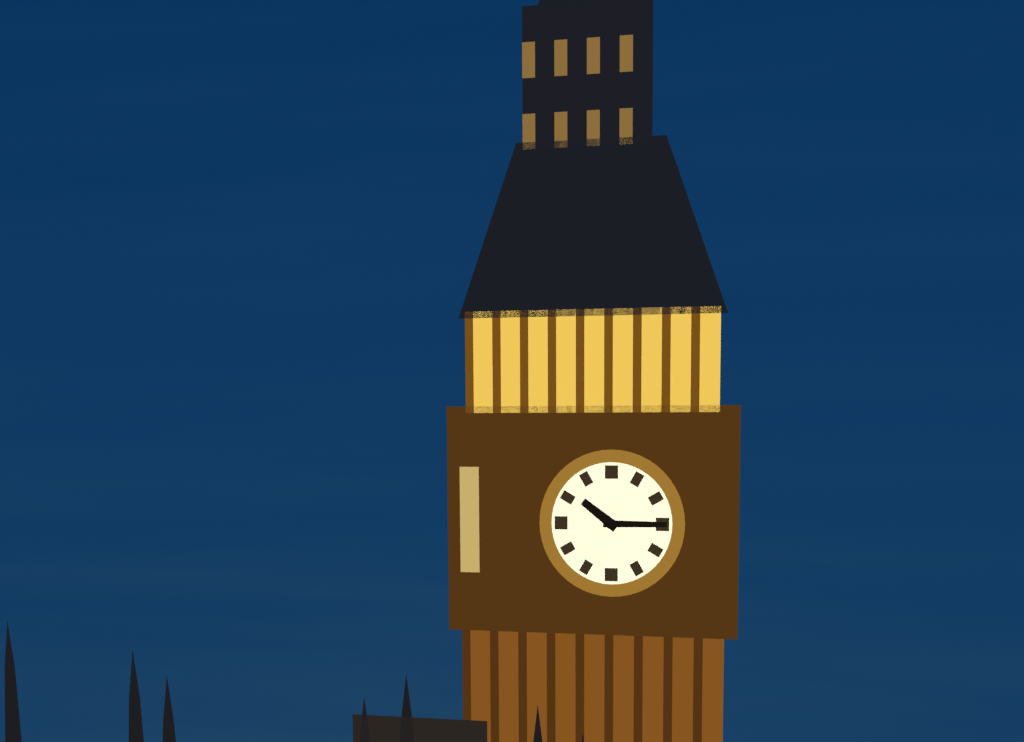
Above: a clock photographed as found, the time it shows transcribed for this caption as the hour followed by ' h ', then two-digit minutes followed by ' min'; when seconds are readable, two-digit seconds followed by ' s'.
10 h 15 min
